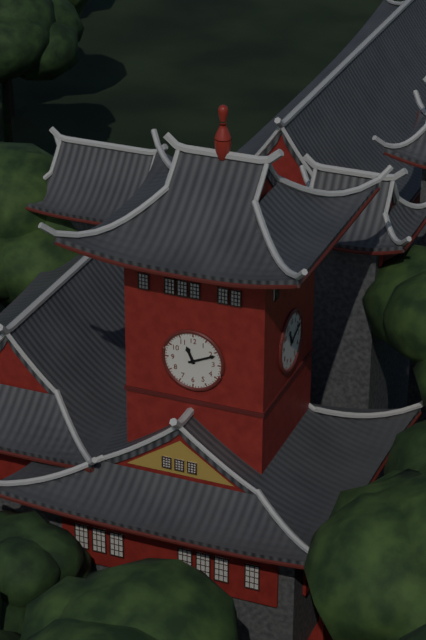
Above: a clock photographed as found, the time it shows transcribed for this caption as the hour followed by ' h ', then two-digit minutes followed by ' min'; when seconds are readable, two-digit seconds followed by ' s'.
11 h 11 min
